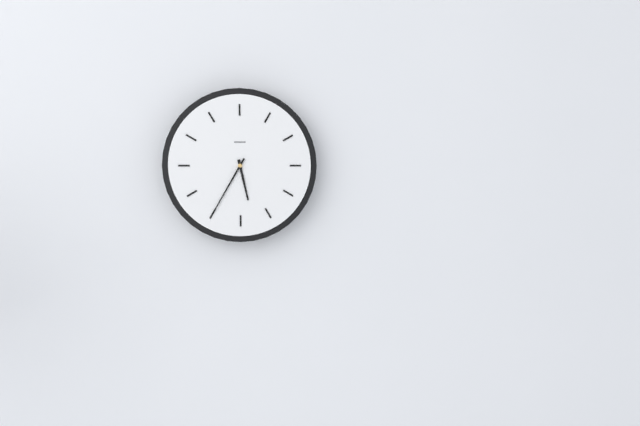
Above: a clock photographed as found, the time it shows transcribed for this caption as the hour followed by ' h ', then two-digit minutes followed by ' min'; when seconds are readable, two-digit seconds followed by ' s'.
5 h 35 min
